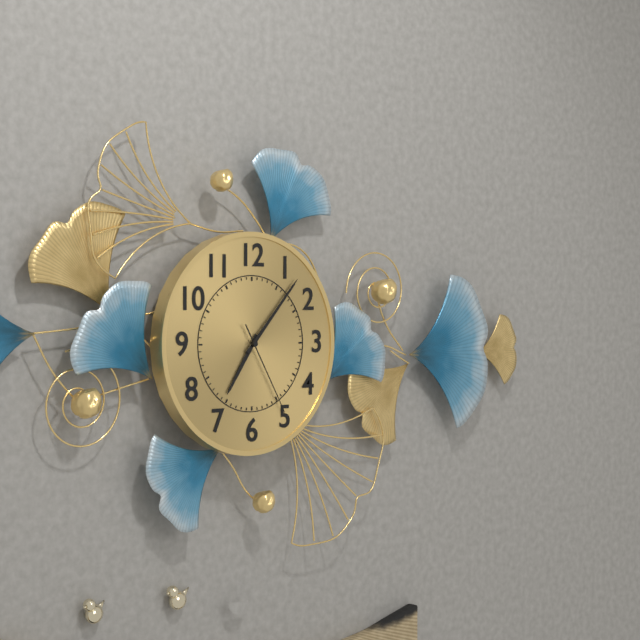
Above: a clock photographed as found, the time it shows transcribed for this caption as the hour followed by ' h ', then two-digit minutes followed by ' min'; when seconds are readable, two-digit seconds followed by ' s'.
7 h 07 min 25 s
